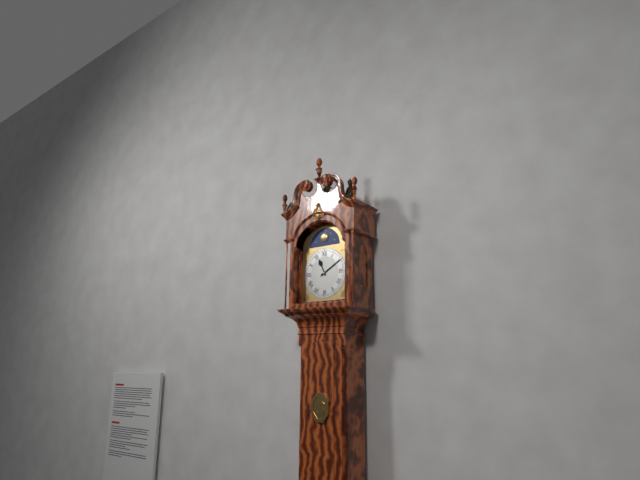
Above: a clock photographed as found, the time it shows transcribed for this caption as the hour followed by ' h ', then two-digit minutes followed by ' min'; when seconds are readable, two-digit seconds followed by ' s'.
11 h 10 min
